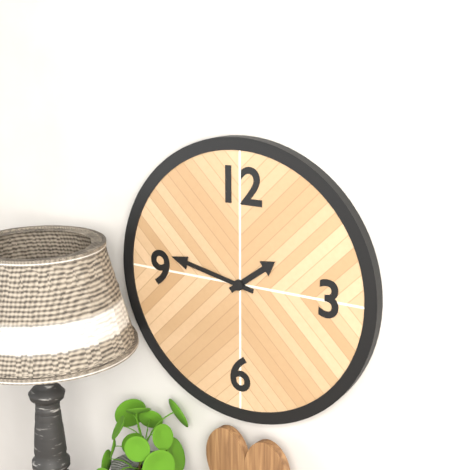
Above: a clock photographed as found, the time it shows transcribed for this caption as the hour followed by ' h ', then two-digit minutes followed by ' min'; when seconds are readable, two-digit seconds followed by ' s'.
1 h 47 min
